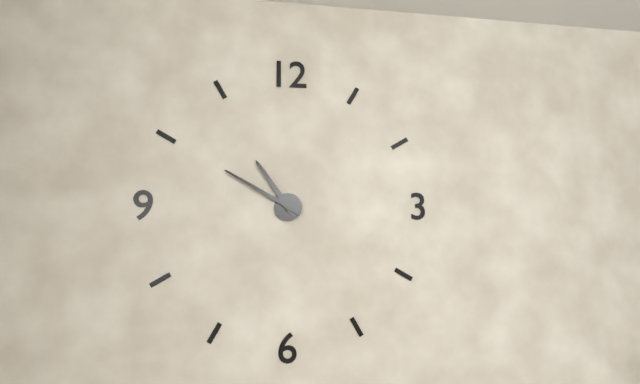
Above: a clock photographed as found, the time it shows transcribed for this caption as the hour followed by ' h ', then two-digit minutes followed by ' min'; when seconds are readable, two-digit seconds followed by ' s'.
10 h 50 min
